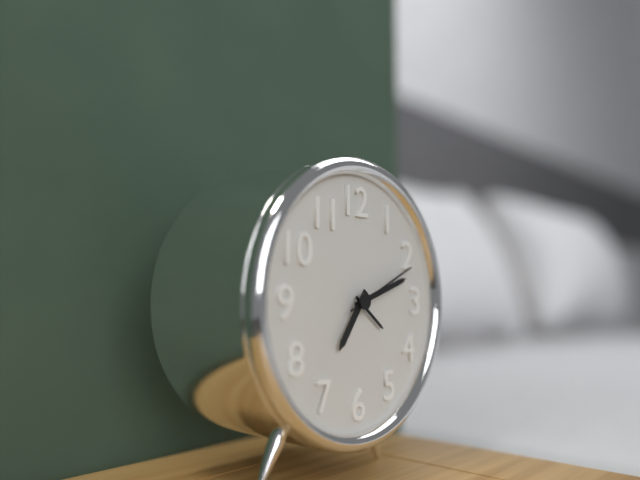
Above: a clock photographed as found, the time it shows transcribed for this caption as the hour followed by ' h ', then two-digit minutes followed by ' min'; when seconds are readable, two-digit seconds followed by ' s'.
7 h 12 min 11 s
